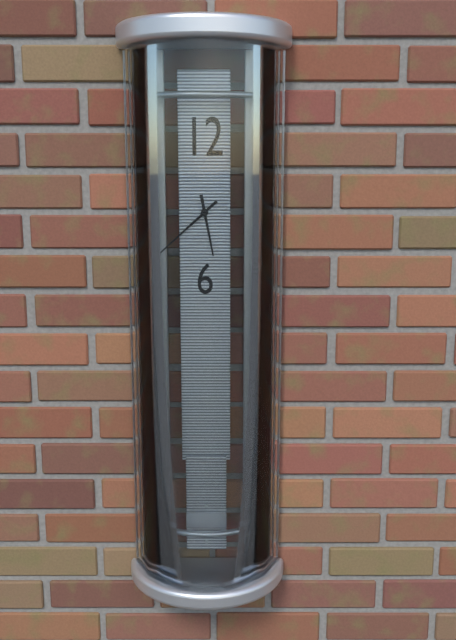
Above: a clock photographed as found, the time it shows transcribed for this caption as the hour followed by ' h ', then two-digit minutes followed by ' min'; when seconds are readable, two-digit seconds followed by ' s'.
5 h 38 min
